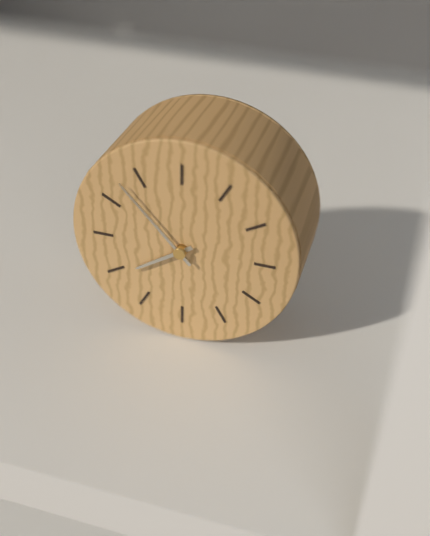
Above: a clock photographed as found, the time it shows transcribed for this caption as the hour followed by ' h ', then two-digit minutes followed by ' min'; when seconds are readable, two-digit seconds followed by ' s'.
7 h 53 min
